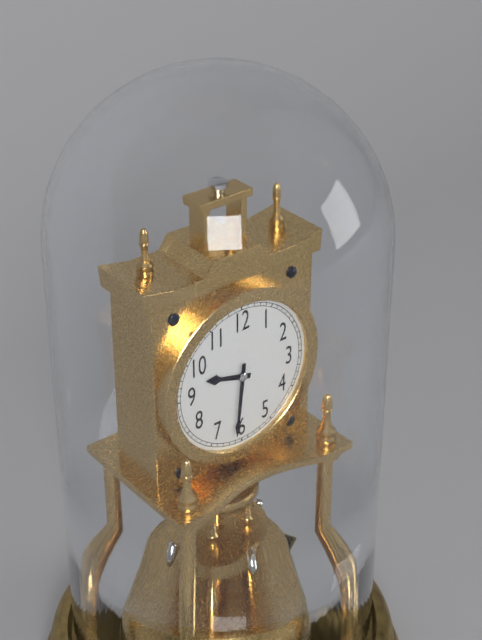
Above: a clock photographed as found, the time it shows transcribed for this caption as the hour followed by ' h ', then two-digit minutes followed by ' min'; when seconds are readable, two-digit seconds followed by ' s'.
9 h 31 min
